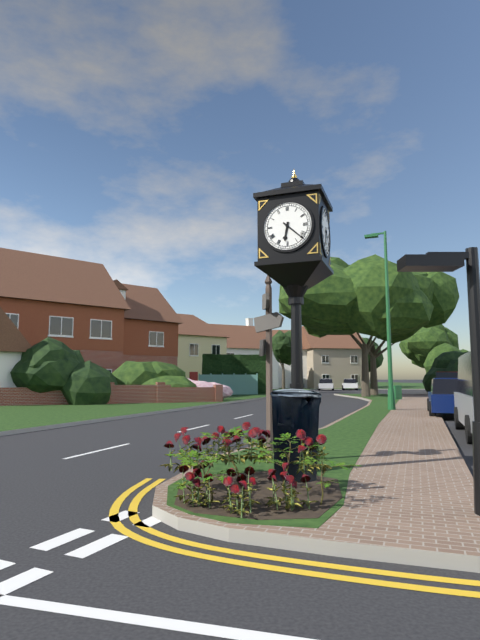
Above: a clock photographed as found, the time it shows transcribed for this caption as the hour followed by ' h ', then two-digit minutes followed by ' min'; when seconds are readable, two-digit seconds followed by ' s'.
6 h 22 min
